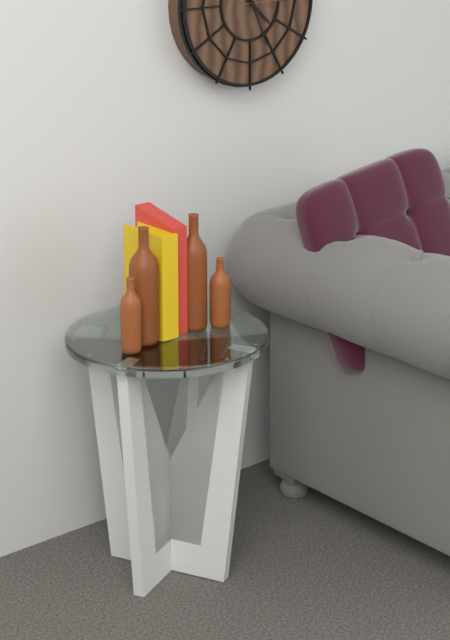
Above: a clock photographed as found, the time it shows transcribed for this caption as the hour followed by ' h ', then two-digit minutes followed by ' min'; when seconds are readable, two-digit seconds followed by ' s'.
4 h 26 min
